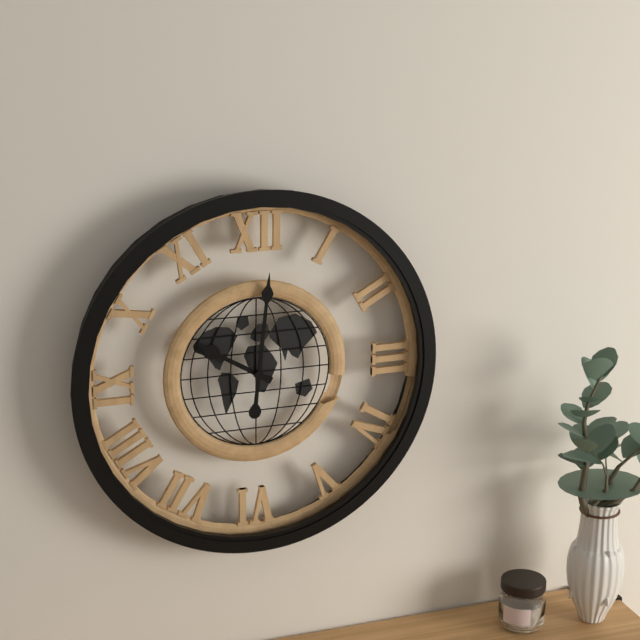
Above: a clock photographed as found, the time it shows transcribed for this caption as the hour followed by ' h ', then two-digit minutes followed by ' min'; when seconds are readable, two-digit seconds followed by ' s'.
10 h 01 min
